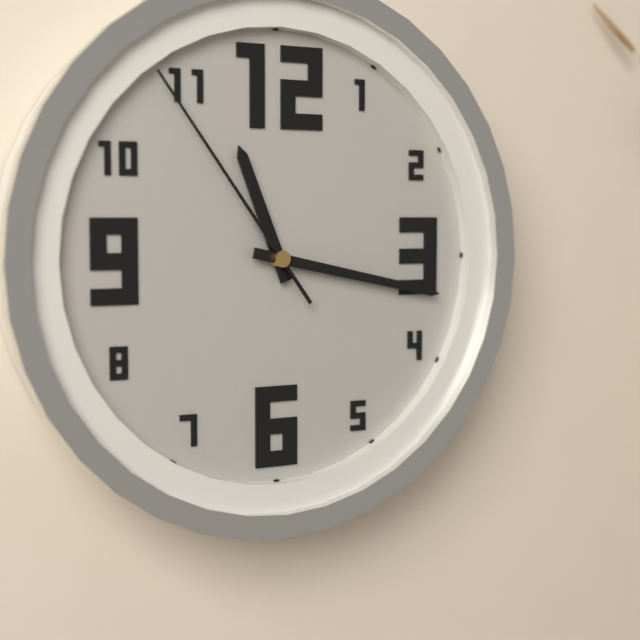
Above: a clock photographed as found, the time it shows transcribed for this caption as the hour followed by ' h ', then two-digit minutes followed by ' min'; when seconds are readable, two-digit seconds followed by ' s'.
11 h 17 min 54 s
